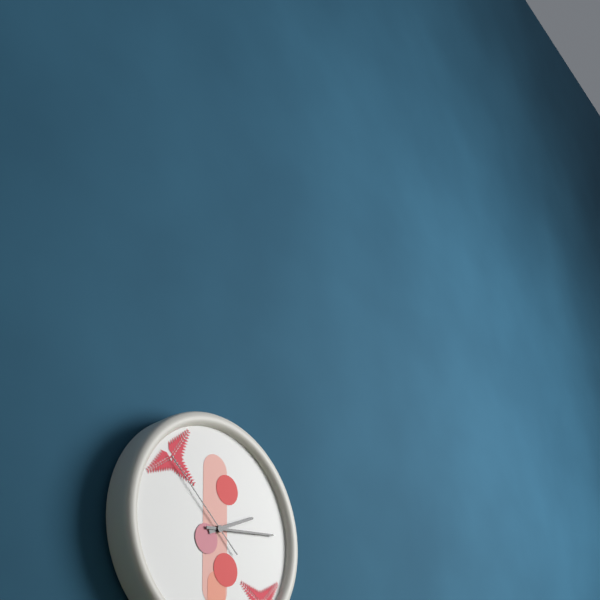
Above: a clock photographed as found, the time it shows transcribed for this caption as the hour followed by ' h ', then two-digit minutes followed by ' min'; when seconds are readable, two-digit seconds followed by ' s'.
2 h 14 min 52 s
